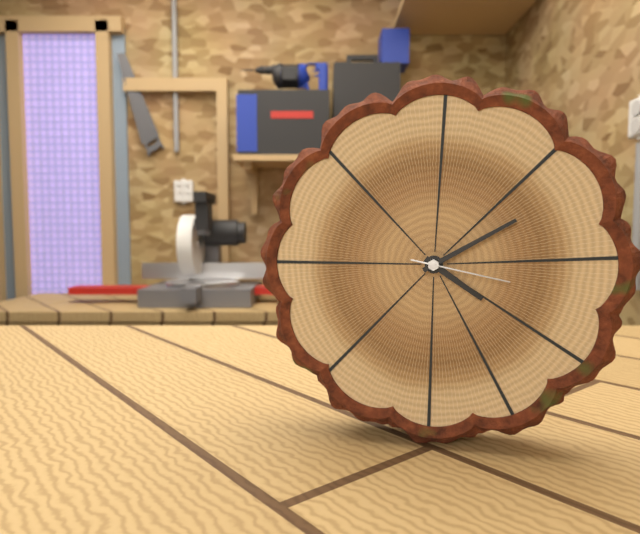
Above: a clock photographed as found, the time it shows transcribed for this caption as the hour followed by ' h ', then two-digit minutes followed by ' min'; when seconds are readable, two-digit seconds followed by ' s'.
4 h 10 min 17 s
